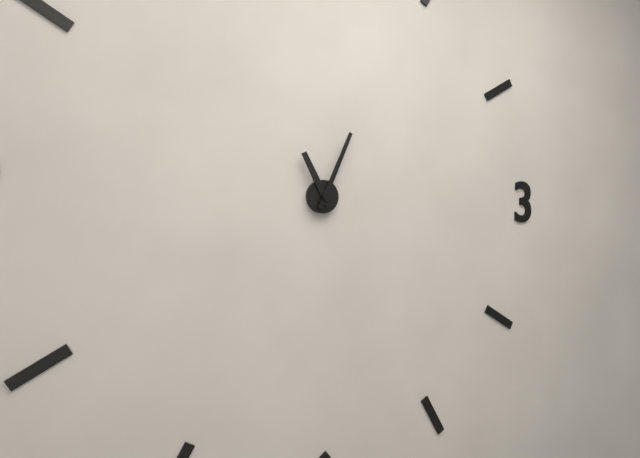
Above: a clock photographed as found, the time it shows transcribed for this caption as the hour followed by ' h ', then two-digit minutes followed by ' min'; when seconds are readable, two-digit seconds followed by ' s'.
11 h 04 min
